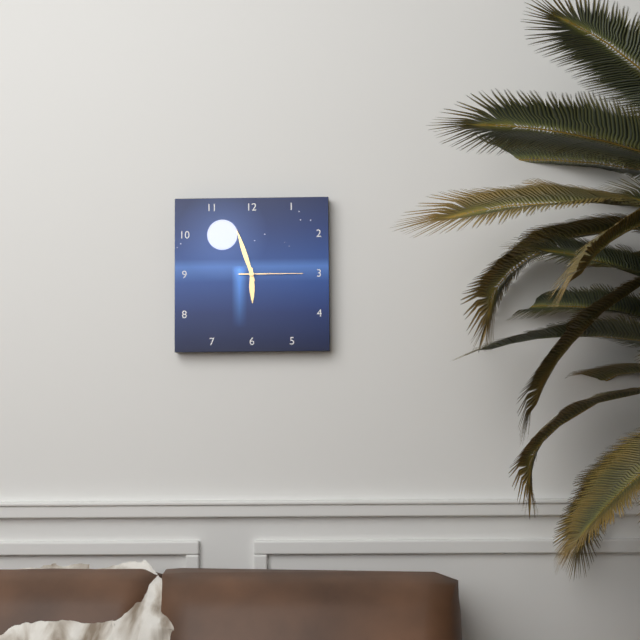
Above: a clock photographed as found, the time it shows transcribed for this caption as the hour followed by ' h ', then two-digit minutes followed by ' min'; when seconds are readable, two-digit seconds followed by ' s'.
5 h 57 min 15 s
